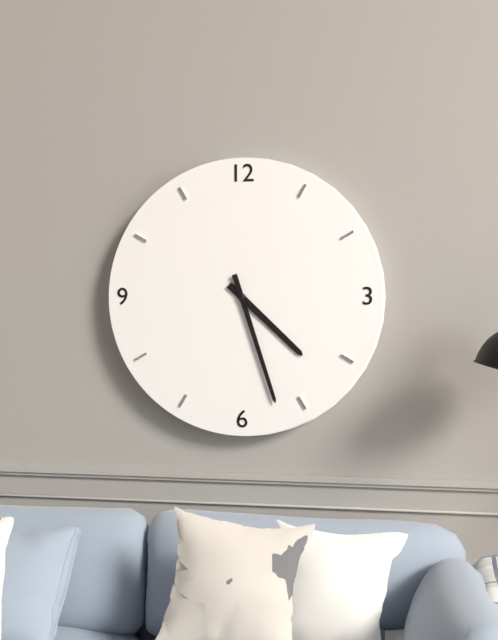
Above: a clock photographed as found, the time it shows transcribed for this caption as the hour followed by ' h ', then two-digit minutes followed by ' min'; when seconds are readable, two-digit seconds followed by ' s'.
4 h 27 min
